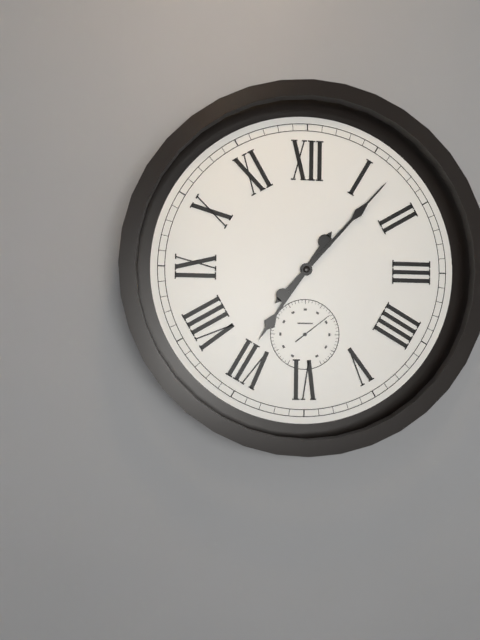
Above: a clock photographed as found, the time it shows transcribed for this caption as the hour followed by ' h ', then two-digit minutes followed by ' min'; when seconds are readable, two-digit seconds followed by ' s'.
7 h 07 min
